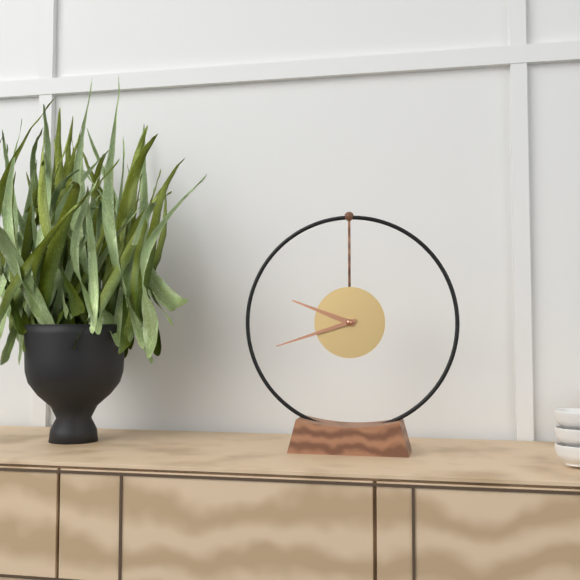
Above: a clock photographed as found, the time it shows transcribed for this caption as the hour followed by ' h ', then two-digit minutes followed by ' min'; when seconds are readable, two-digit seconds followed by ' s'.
9 h 42 min
